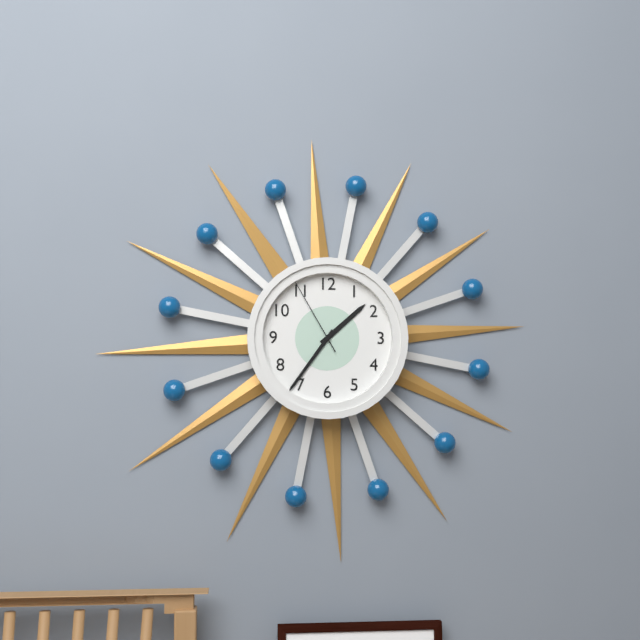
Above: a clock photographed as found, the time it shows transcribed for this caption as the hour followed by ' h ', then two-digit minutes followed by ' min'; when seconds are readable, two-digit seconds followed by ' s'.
1 h 36 min 55 s
